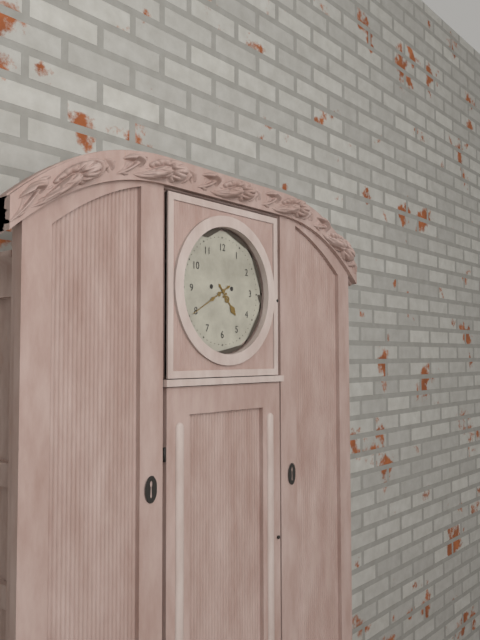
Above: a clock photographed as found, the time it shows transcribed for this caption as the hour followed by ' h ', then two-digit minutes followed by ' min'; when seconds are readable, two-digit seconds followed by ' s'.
4 h 40 min
